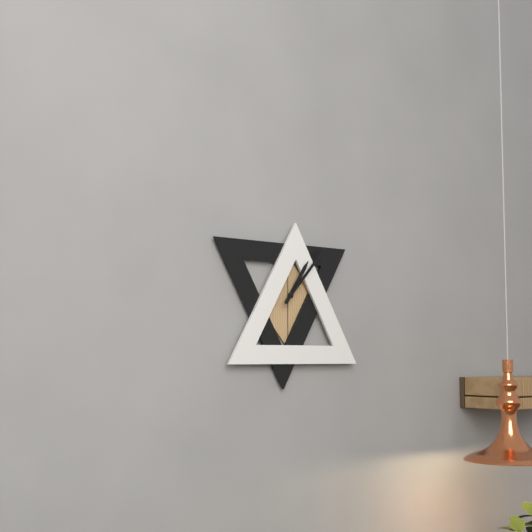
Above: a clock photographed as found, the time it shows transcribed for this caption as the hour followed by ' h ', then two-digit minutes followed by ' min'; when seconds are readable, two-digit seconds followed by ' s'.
1 h 07 min
